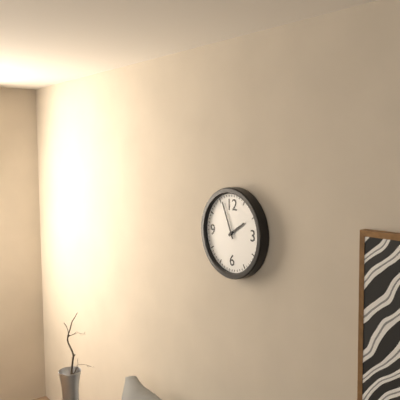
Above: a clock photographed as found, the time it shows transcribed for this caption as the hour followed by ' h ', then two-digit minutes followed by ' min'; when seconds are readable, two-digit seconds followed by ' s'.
1 h 56 min
